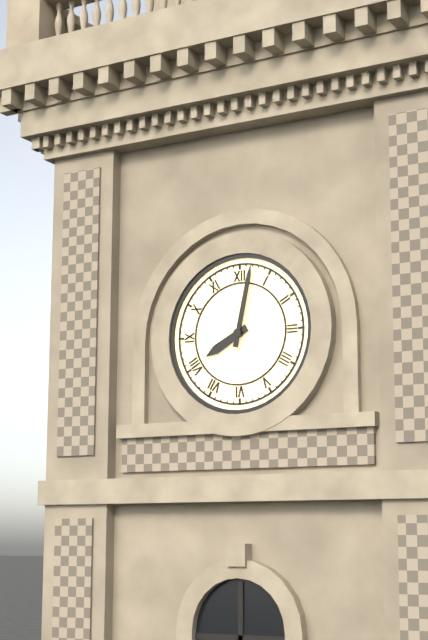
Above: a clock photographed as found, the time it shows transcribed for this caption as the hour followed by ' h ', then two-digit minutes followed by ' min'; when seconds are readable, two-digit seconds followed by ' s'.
8 h 02 min
